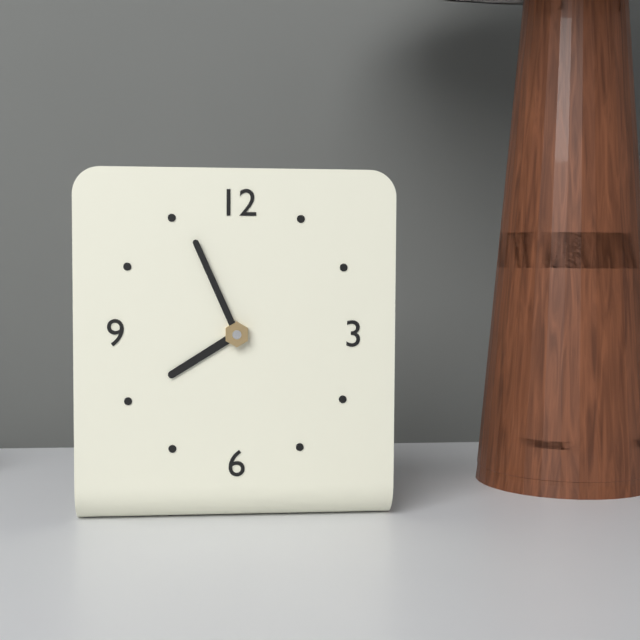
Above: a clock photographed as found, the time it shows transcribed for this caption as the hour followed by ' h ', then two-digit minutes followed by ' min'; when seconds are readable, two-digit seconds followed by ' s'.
7 h 56 min
